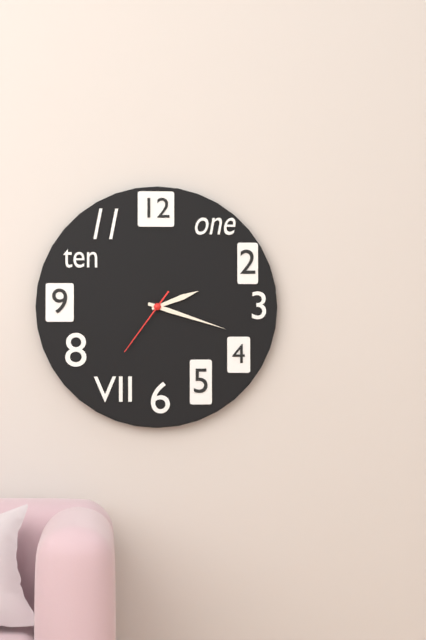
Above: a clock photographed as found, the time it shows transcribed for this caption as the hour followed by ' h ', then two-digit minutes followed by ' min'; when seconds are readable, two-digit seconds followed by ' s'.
2 h 18 min 36 s
